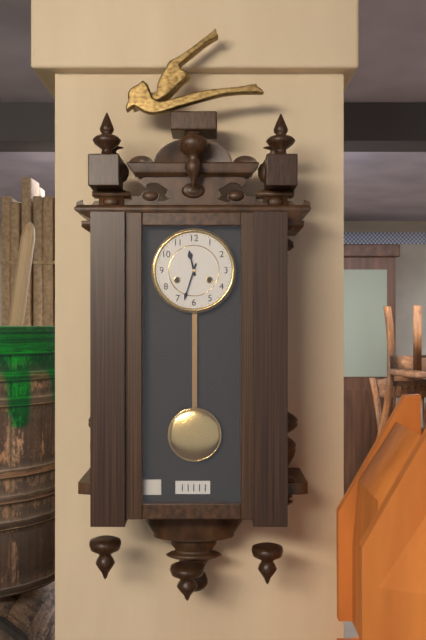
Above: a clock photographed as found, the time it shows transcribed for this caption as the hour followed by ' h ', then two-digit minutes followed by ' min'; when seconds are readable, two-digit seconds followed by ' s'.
11 h 33 min
